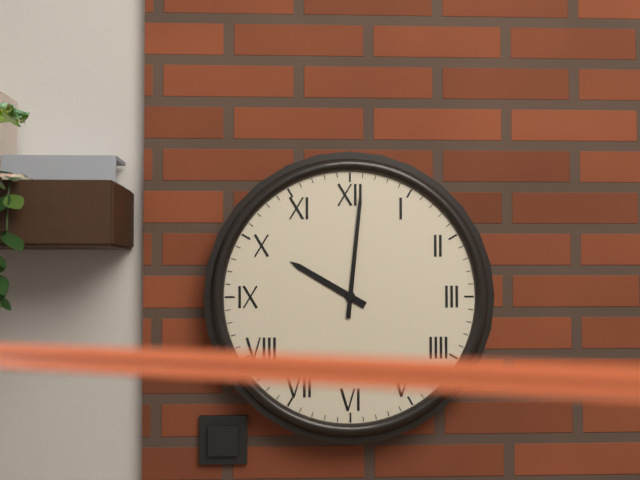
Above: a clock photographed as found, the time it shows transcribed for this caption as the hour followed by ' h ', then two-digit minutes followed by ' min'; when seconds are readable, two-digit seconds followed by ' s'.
10 h 01 min
